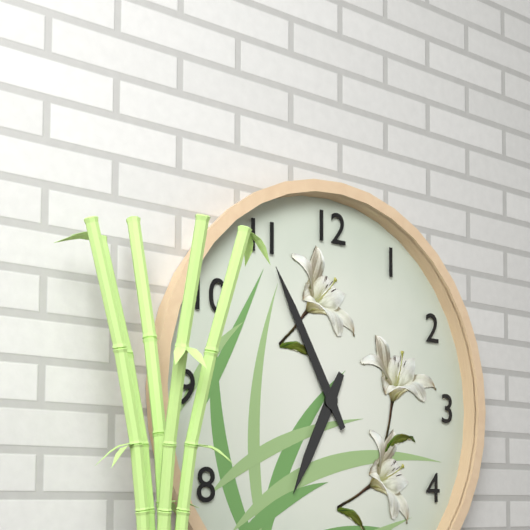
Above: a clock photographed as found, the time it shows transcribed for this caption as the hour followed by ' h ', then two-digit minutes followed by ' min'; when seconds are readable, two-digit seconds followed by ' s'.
6 h 55 min
